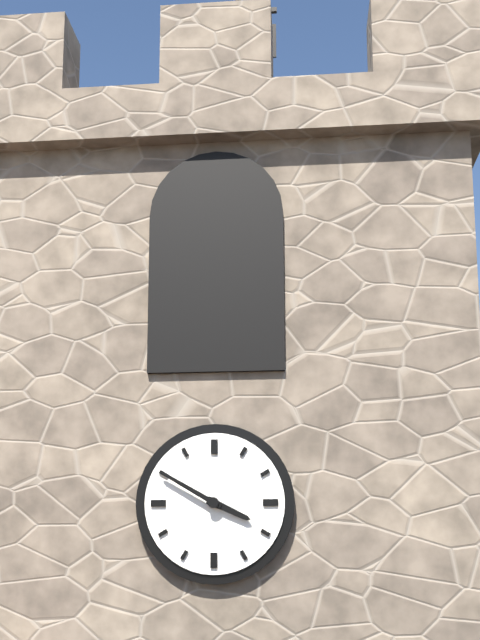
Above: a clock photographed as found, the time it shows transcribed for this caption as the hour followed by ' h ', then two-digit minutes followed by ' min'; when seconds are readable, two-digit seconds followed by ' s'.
3 h 50 min
